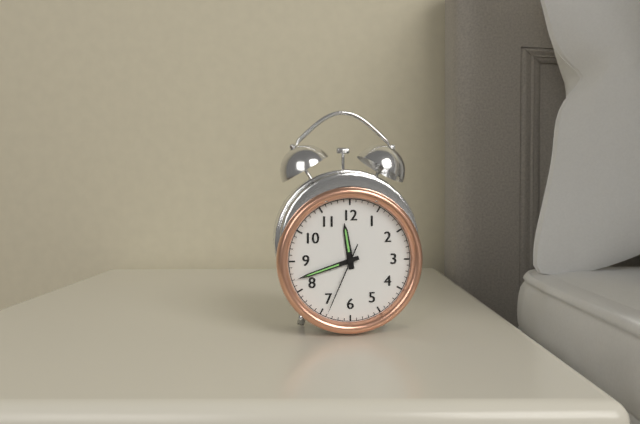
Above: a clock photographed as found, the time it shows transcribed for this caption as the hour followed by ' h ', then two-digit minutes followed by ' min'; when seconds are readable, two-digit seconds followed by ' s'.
11 h 42 min 34 s
